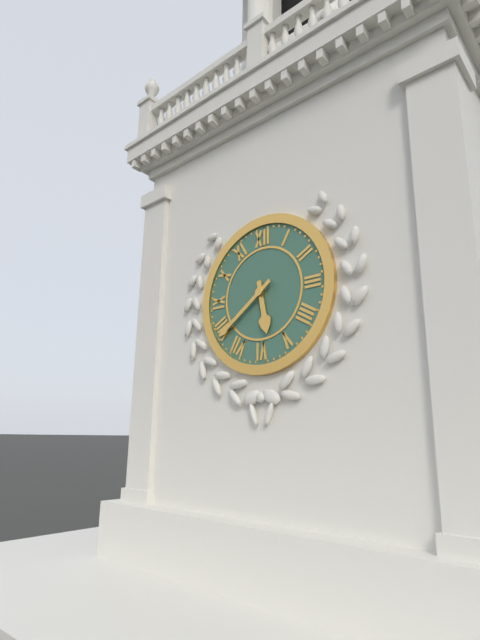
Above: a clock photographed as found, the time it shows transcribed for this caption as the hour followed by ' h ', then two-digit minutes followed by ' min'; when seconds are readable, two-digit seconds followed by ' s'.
5 h 39 min
